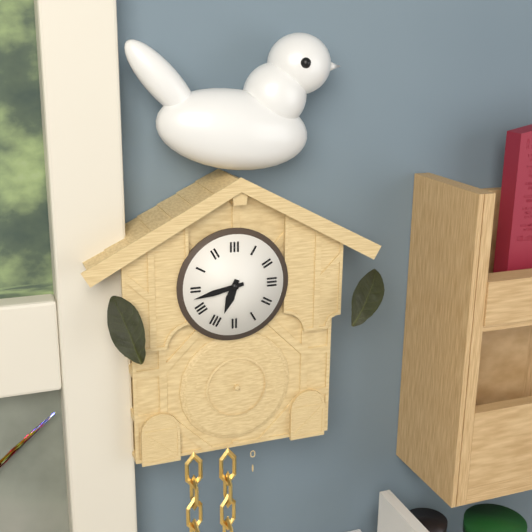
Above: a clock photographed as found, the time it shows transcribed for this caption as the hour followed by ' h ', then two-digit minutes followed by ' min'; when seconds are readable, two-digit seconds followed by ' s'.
6 h 43 min
